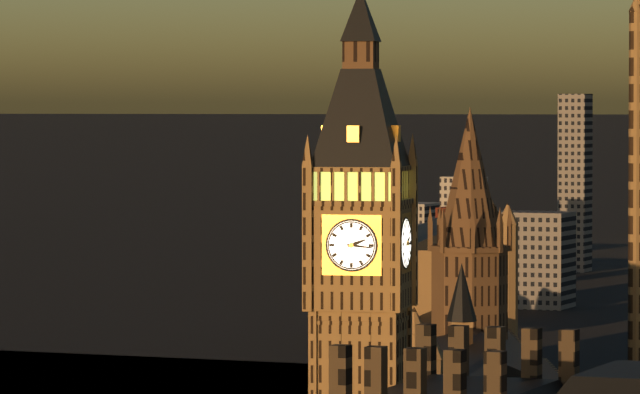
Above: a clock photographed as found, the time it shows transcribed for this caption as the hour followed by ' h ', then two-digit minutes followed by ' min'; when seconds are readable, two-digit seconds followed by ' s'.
2 h 16 min
